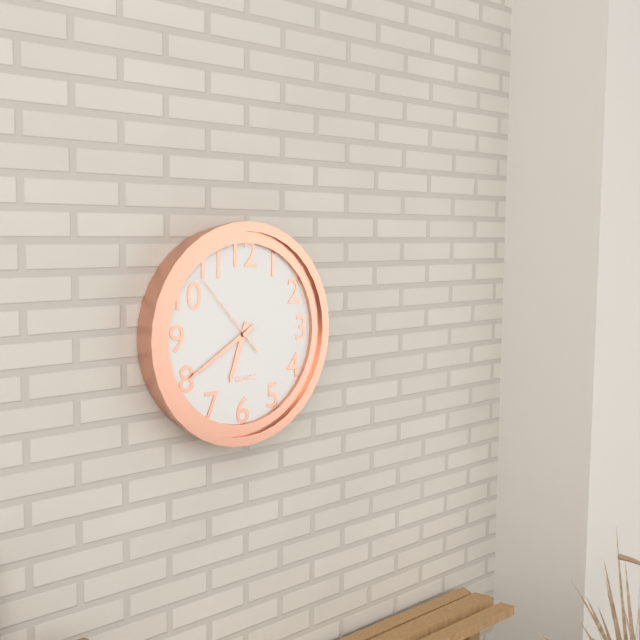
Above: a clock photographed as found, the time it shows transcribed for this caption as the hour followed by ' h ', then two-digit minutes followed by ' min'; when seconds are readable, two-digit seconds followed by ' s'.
6 h 40 min 53 s
